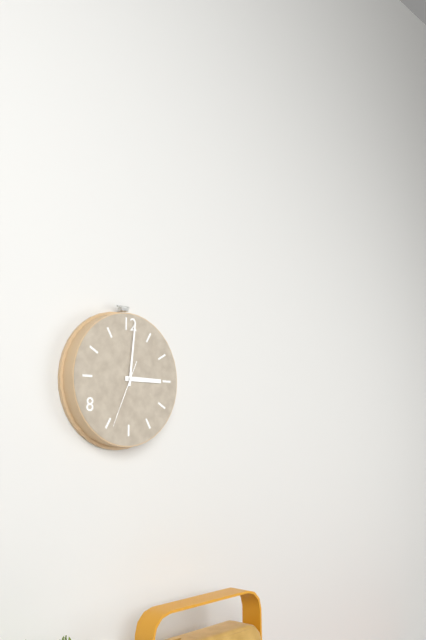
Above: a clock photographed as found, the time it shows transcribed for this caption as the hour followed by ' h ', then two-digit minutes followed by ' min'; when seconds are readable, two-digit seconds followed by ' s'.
3 h 01 min 34 s
